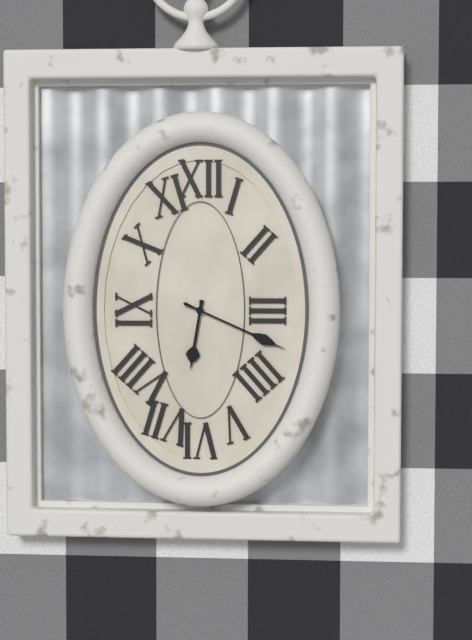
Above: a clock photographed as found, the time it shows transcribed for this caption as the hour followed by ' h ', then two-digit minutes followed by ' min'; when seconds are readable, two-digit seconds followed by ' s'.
6 h 19 min
